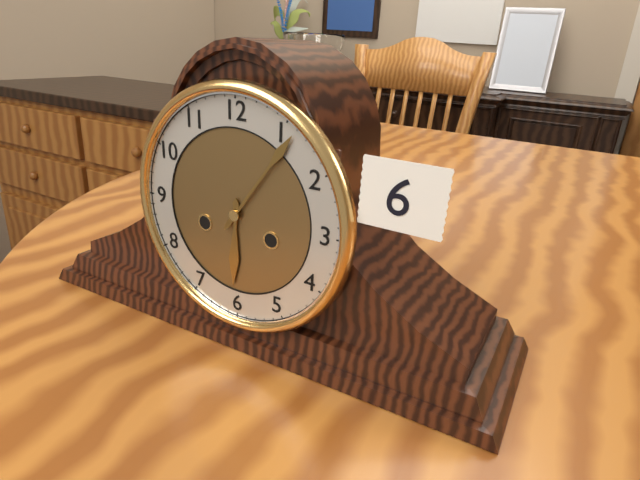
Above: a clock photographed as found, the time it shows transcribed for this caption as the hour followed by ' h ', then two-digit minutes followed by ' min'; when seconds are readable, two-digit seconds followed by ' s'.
6 h 06 min
